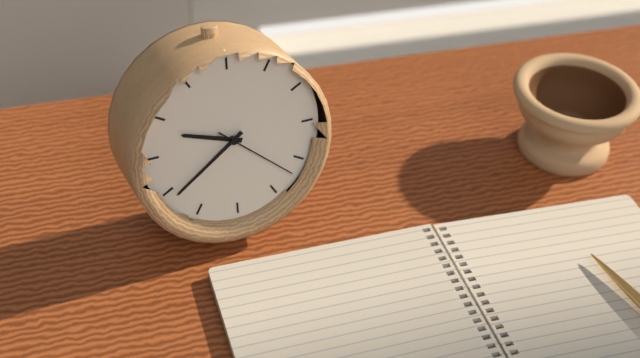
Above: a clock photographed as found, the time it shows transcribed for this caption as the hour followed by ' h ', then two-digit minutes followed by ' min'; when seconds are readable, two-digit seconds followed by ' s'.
9 h 39 min 22 s
